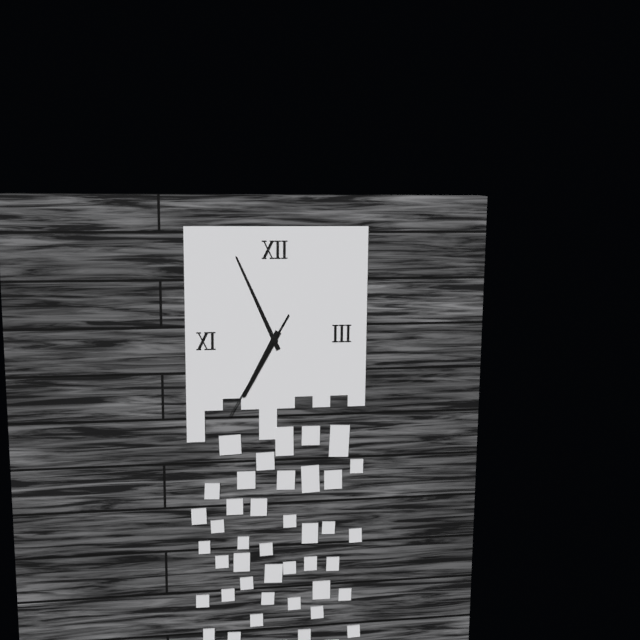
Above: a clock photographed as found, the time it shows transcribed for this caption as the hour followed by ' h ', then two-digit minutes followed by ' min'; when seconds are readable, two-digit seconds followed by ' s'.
6 h 56 min 35 s
